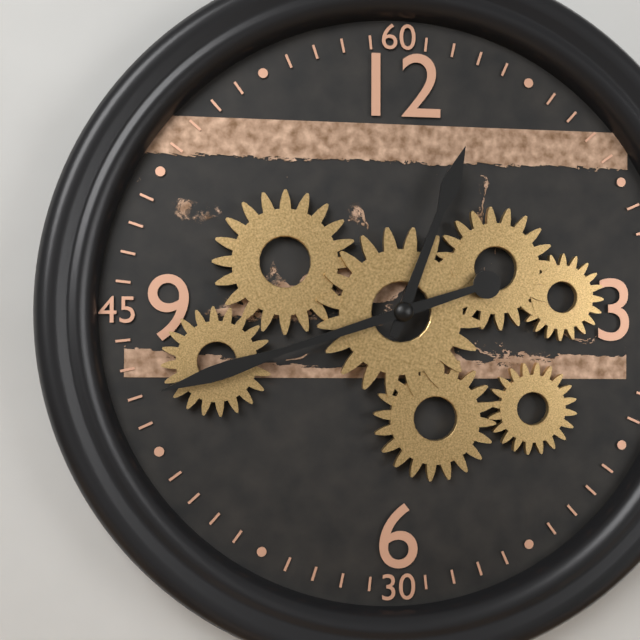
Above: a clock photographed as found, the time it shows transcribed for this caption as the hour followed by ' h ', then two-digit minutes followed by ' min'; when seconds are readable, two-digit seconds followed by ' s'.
12 h 42 min
